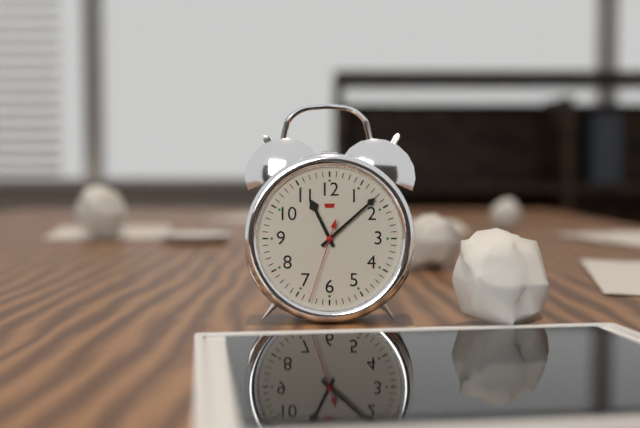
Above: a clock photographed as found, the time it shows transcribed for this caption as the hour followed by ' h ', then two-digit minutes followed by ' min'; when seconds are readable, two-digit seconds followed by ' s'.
11 h 08 min 33 s
